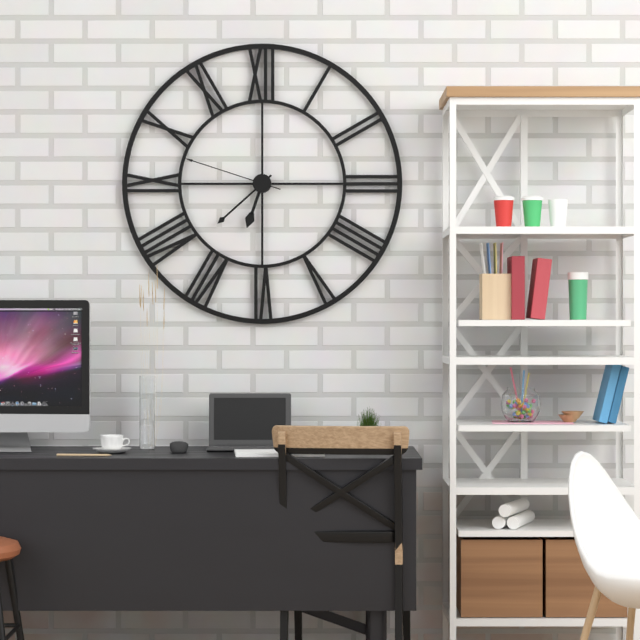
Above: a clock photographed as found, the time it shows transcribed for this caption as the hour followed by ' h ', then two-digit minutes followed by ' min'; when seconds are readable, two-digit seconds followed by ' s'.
6 h 38 min 48 s
